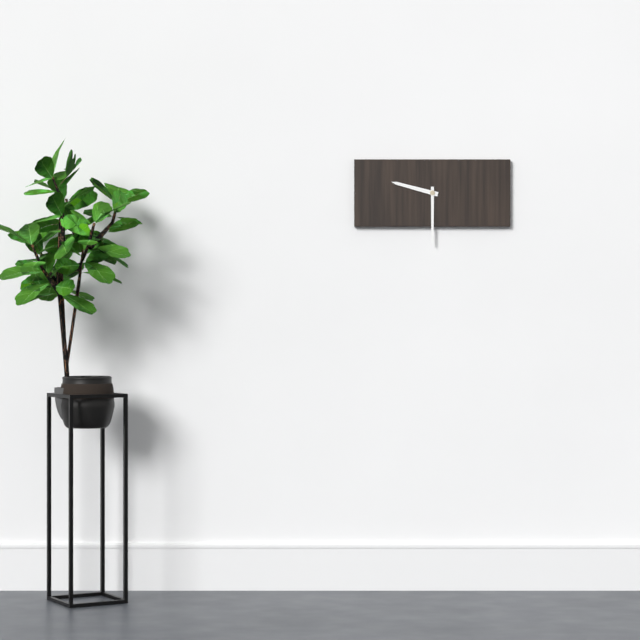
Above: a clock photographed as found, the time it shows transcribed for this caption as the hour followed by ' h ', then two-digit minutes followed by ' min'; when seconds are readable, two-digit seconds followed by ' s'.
9 h 30 min
